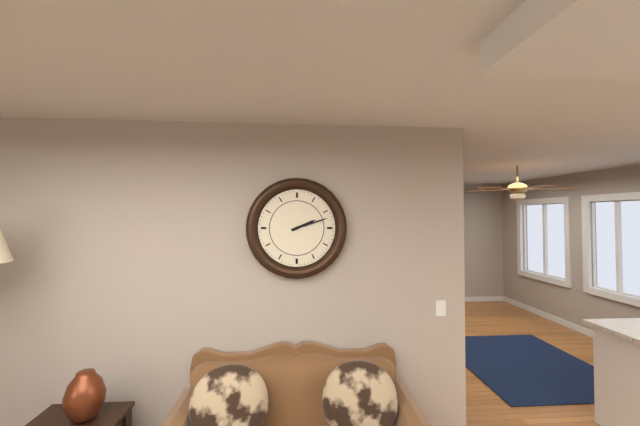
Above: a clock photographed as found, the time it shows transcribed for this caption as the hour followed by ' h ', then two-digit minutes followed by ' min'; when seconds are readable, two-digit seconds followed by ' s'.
2 h 12 min
